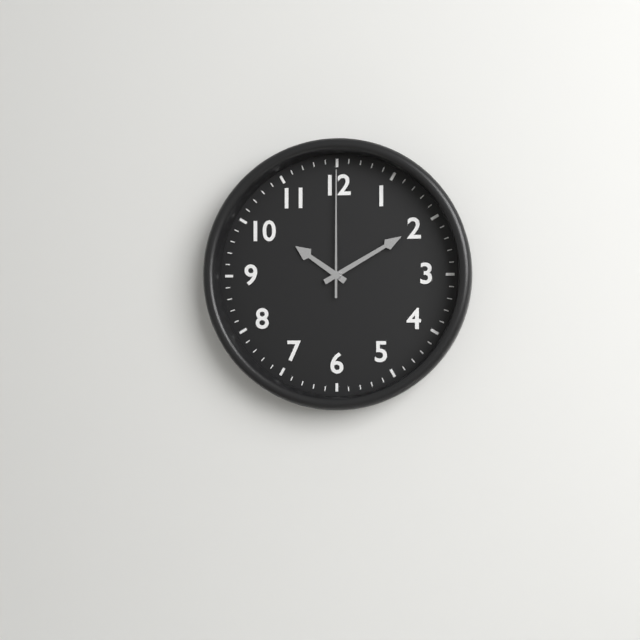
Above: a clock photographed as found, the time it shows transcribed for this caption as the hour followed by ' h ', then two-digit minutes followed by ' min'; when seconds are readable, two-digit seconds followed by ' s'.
10 h 10 min 00 s
